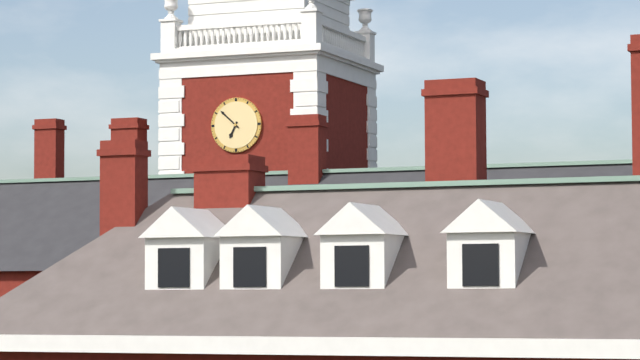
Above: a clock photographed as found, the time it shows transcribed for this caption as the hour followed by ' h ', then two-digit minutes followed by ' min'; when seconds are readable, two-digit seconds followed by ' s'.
6 h 52 min
